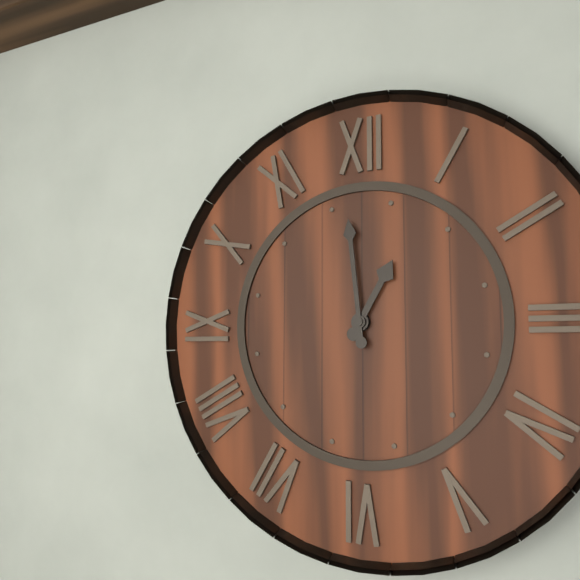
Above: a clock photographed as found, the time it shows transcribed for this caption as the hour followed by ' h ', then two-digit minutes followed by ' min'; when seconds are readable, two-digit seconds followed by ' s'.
12 h 59 min
